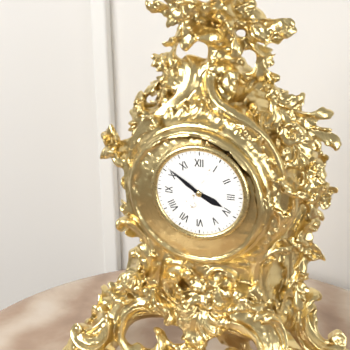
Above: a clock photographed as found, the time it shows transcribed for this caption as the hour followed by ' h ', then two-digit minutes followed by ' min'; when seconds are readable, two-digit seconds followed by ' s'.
3 h 51 min
